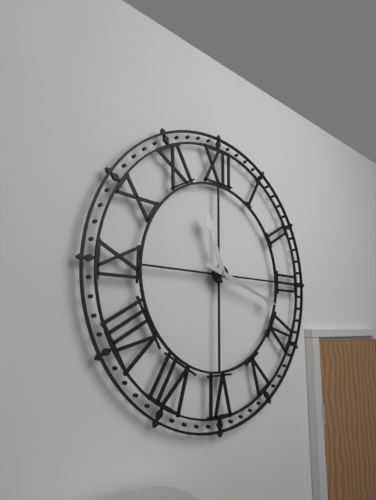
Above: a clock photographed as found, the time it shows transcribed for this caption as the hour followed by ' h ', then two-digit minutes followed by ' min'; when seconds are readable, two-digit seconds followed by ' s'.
11 h 18 min
